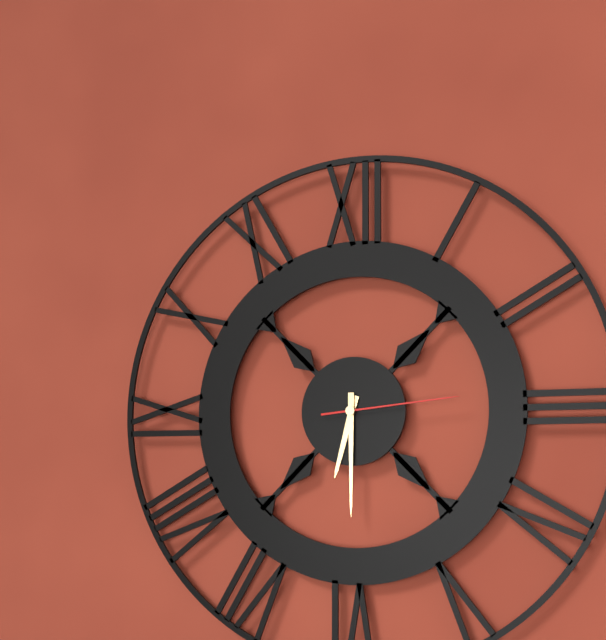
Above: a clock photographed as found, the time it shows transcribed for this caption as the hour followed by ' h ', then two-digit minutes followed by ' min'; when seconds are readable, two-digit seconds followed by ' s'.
6 h 30 min 14 s
